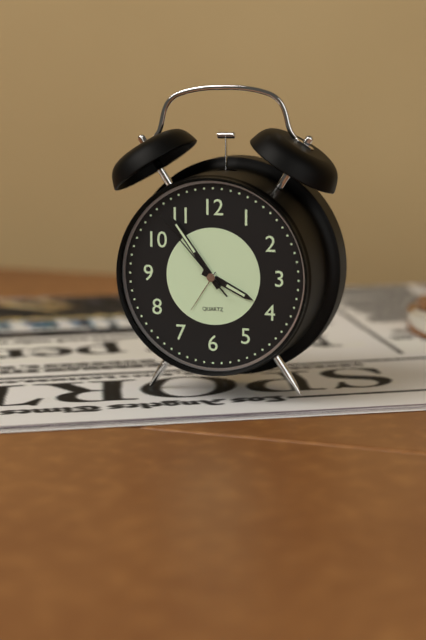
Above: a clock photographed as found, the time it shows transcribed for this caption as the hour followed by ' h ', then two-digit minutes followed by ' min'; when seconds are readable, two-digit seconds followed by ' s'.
3 h 54 min 53 s
